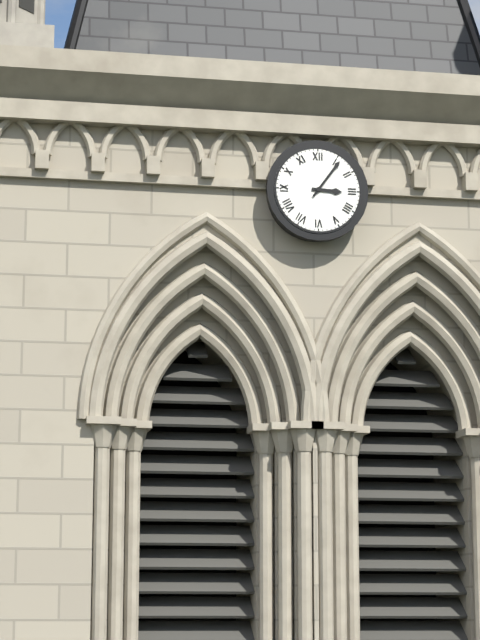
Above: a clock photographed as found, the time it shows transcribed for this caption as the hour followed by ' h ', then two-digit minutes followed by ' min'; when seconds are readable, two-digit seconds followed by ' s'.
3 h 06 min
